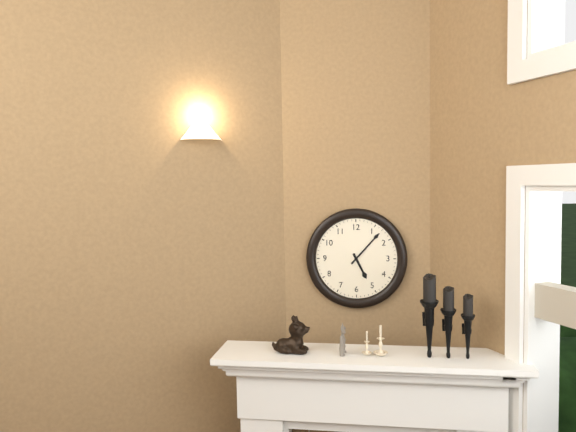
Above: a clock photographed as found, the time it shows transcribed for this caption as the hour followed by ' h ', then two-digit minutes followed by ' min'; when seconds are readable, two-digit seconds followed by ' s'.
5 h 07 min
